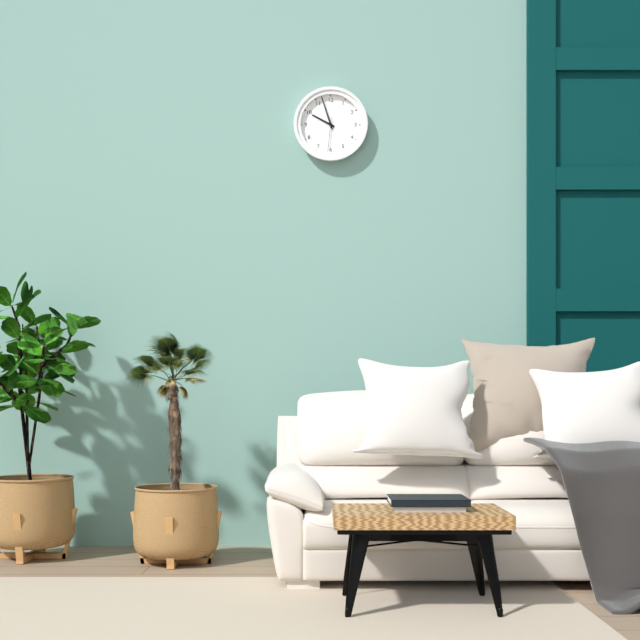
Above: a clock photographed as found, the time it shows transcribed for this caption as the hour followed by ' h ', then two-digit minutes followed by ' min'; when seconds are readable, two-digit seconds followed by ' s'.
9 h 57 min
